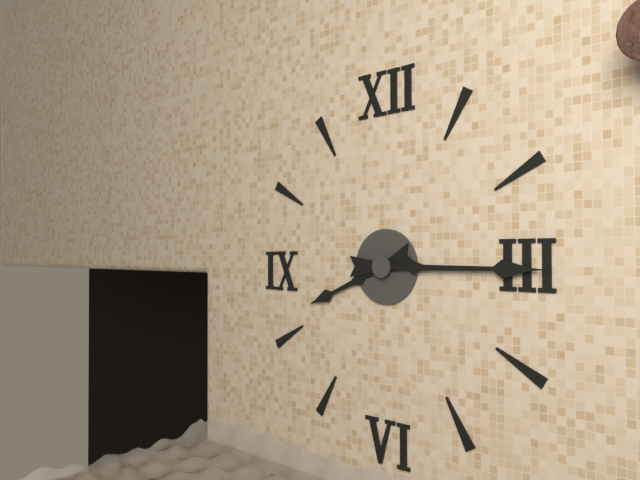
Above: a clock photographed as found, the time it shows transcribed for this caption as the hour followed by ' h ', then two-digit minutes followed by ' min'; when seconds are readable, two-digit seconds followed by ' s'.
8 h 15 min
